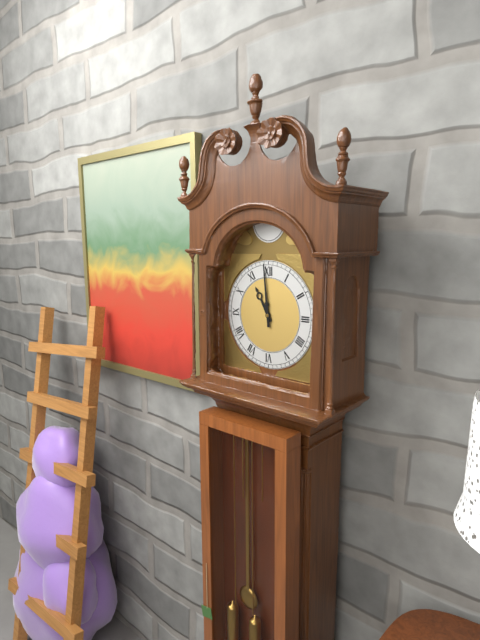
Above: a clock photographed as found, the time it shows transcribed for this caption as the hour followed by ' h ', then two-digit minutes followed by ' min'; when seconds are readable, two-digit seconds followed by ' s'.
10 h 59 min
